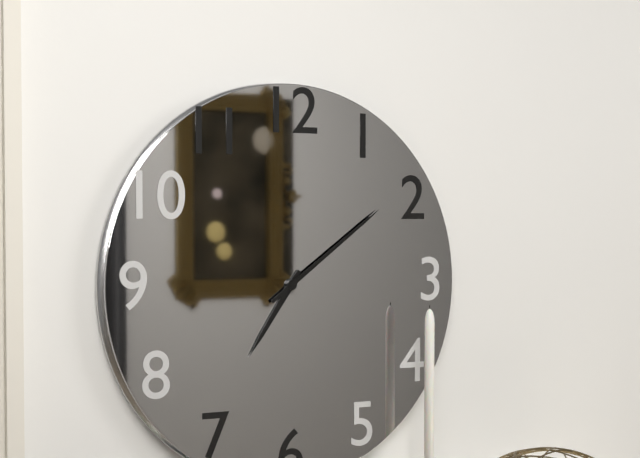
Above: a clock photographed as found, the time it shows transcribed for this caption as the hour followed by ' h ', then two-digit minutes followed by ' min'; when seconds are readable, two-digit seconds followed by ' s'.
7 h 09 min
